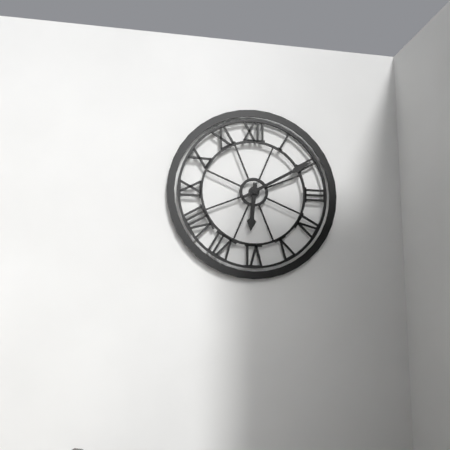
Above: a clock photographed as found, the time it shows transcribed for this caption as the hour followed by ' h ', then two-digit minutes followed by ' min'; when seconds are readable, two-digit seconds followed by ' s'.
6 h 10 min
